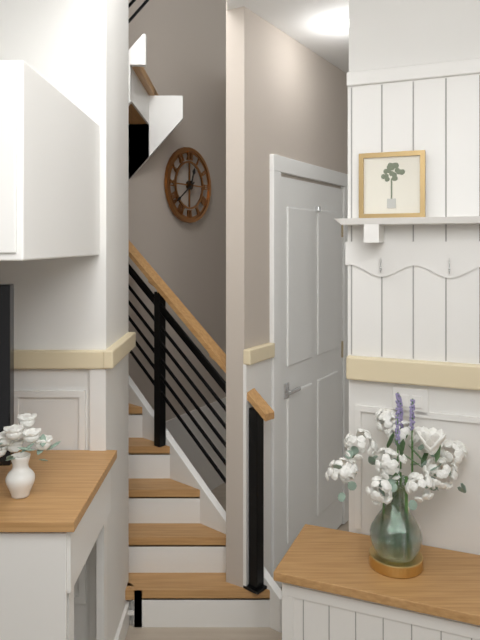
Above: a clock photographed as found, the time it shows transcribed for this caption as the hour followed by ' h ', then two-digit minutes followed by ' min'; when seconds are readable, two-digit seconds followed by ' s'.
12 h 39 min
